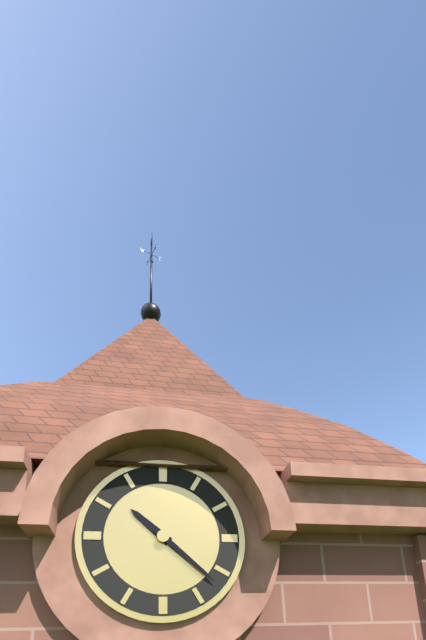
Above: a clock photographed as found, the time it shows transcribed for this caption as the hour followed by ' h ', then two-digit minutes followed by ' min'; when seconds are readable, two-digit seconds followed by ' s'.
10 h 22 min
